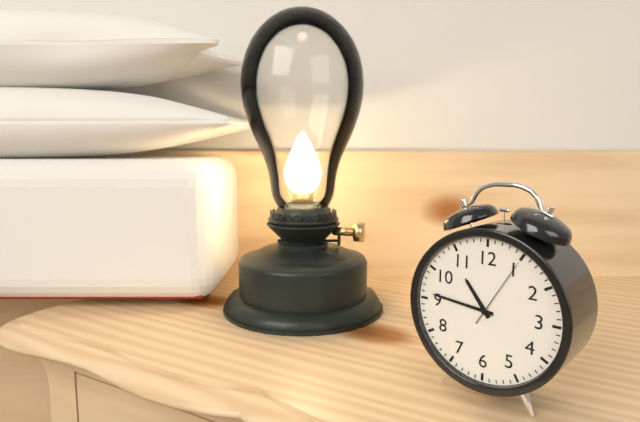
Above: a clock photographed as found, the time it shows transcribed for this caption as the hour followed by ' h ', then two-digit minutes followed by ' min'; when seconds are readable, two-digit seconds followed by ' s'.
10 h 46 min 05 s
